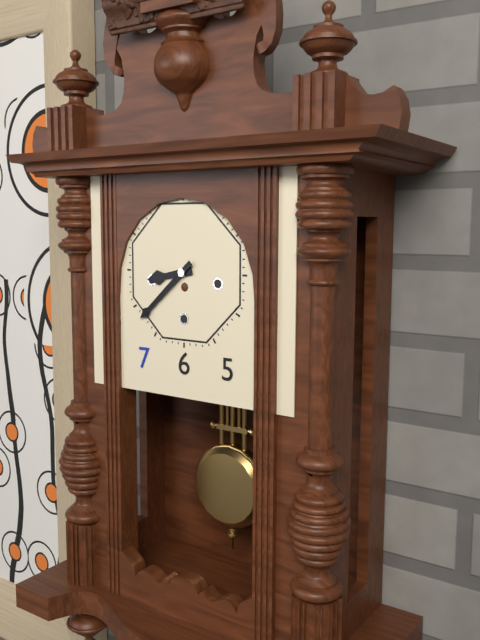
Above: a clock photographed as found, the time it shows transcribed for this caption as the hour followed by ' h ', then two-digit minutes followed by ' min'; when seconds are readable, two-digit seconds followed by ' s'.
8 h 38 min
